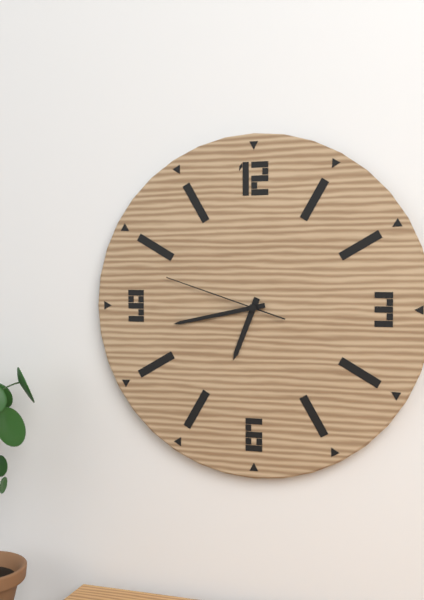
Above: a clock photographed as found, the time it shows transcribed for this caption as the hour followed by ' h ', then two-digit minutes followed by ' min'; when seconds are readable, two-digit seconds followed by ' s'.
6 h 43 min 48 s
